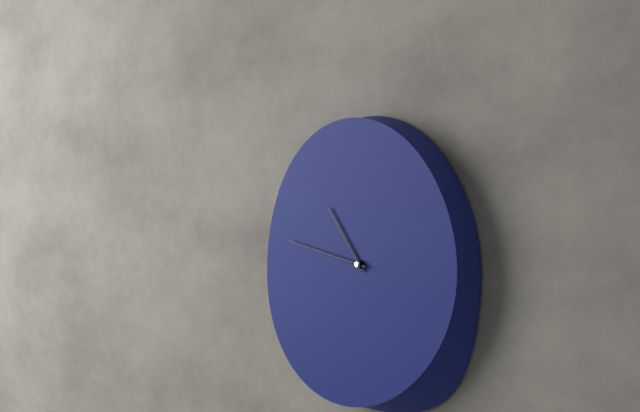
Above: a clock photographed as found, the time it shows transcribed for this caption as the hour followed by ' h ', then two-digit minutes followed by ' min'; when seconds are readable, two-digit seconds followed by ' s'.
10 h 47 min
